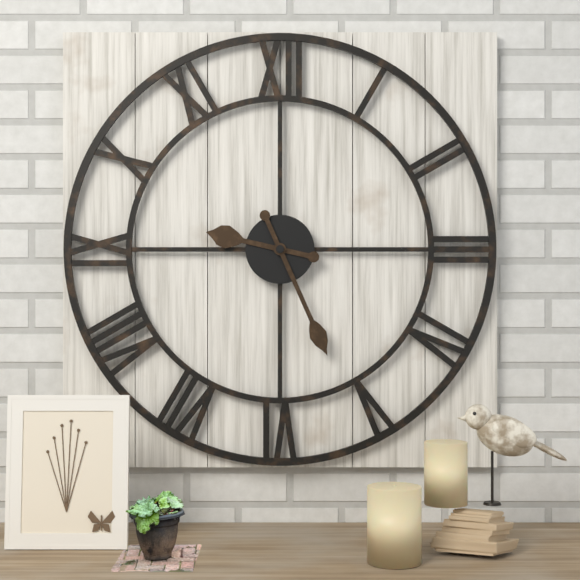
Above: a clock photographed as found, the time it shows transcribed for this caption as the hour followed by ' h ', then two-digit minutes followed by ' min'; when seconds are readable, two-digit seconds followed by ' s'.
9 h 26 min
